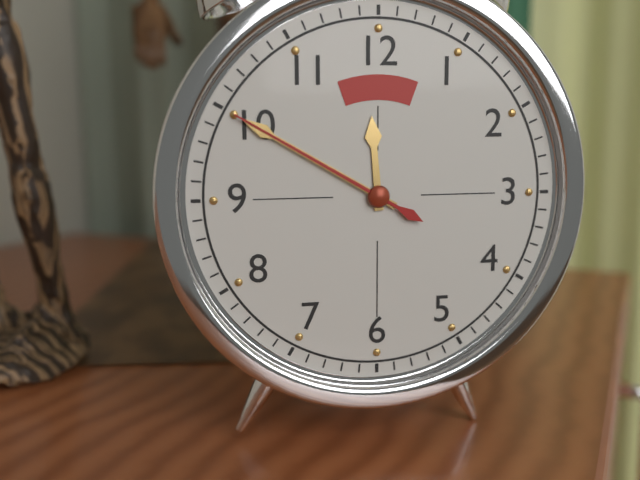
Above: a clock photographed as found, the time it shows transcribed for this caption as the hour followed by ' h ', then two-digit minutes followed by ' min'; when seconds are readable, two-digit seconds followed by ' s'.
11 h 50 min 50 s
